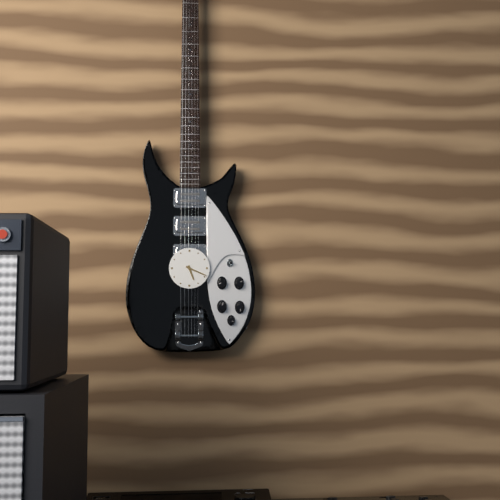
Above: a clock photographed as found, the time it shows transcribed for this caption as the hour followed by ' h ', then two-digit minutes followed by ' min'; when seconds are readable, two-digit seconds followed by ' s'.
5 h 19 min
